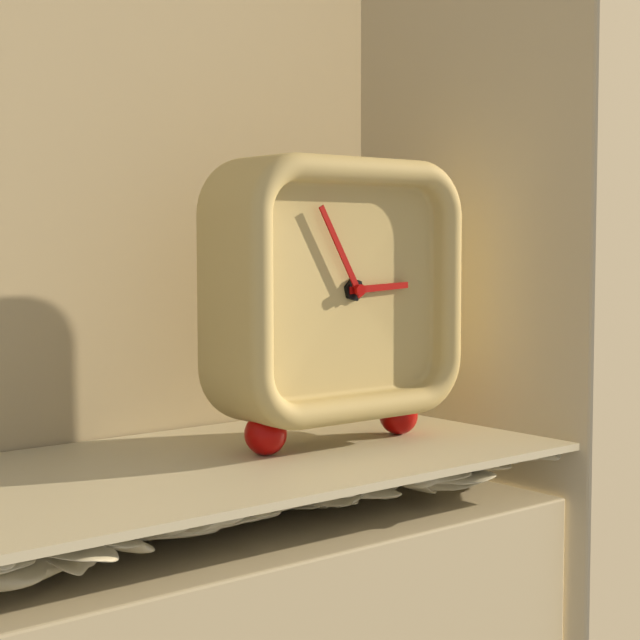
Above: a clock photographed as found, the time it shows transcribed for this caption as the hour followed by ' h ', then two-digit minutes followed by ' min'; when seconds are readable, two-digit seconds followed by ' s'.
2 h 55 min
